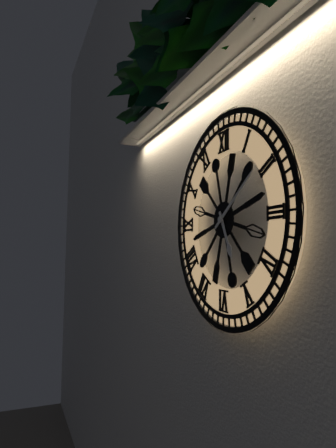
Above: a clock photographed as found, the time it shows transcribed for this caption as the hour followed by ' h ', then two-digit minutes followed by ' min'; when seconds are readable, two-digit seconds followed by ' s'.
5 h 09 min
